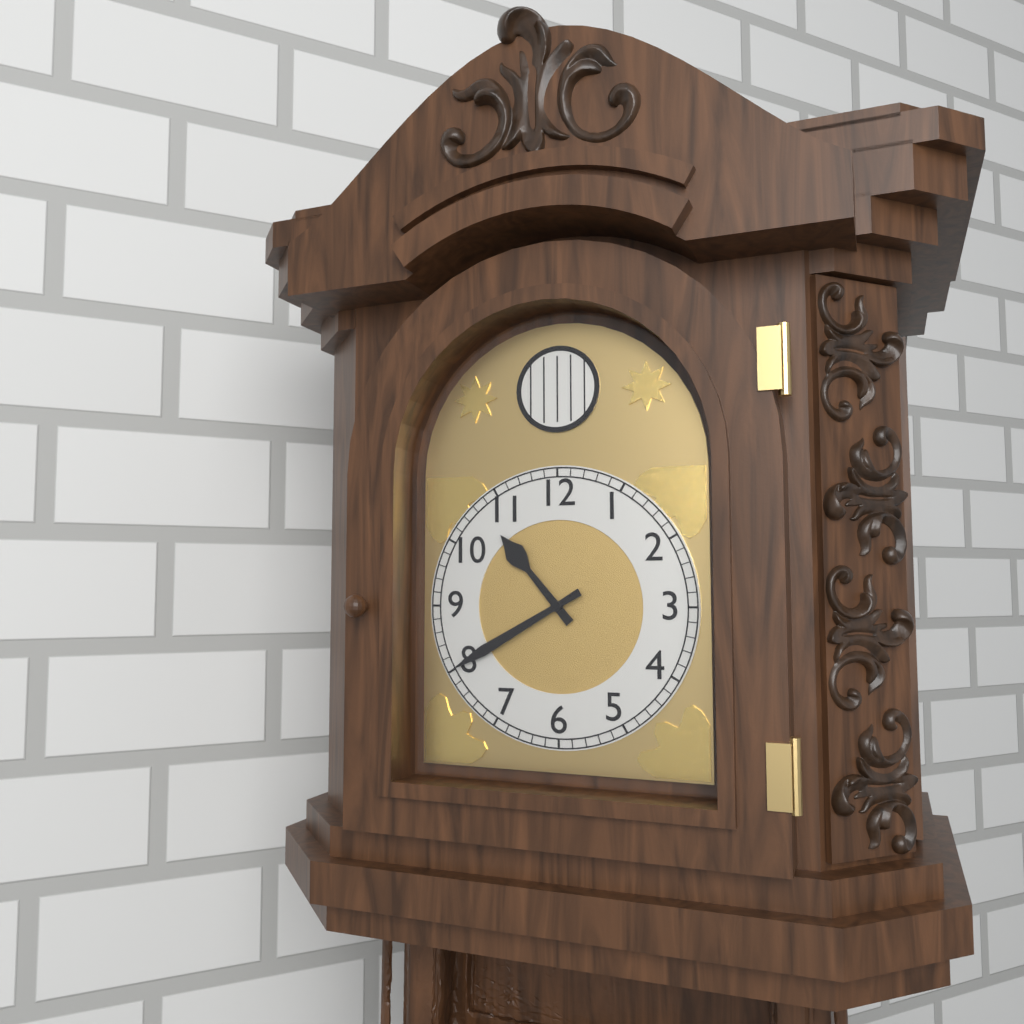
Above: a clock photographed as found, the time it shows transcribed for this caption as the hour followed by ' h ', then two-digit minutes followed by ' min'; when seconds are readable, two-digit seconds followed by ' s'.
10 h 40 min
